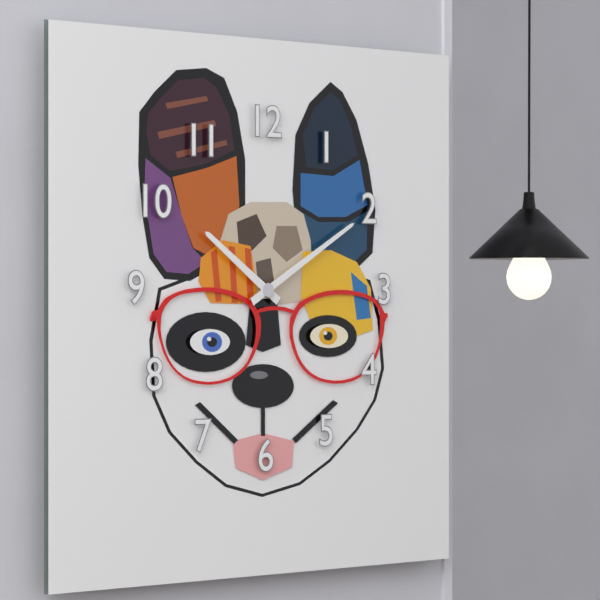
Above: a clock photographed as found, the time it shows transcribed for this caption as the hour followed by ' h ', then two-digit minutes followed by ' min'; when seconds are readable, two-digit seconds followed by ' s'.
10 h 10 min
